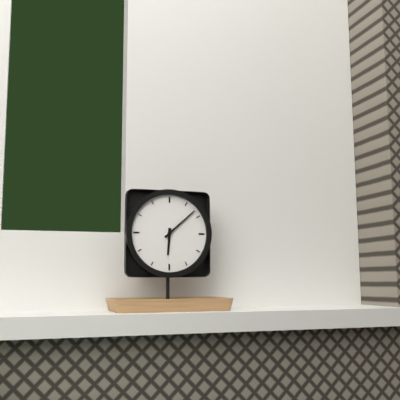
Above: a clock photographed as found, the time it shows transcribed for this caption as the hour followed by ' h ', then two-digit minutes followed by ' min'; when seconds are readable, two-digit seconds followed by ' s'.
6 h 08 min
